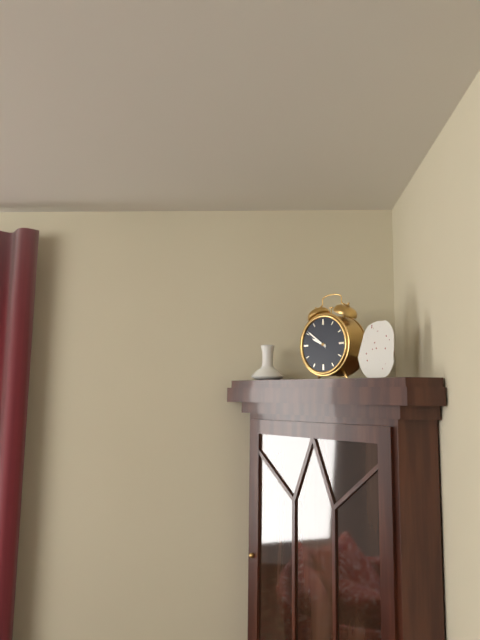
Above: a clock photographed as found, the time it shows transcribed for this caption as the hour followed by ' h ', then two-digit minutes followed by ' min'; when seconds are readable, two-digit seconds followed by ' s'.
9 h 51 min
